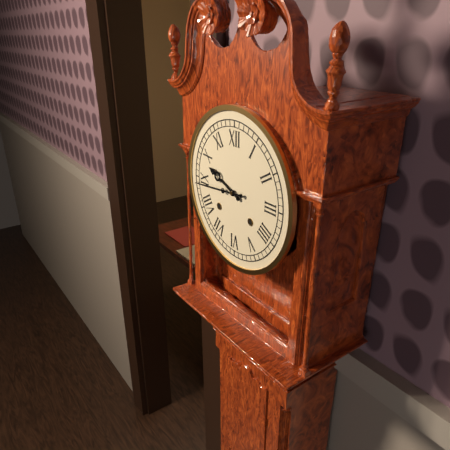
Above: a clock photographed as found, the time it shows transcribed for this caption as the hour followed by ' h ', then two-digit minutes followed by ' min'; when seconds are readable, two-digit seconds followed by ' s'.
9 h 44 min
